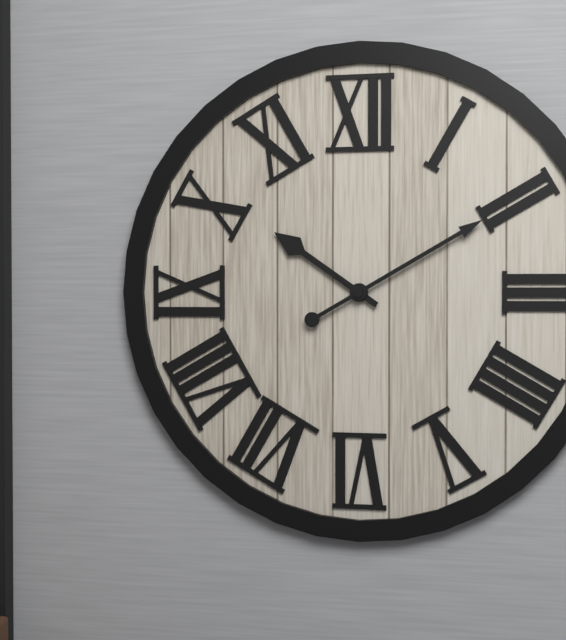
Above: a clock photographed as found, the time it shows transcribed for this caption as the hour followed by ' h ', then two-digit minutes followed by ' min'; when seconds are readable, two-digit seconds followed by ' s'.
10 h 10 min
